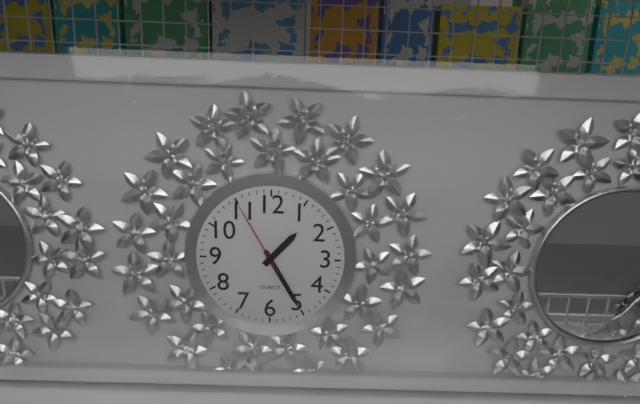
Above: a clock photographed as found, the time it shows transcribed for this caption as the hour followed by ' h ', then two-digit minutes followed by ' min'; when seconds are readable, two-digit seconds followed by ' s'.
1 h 25 min 55 s
